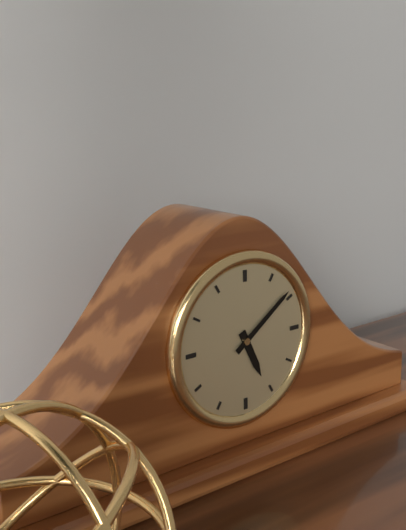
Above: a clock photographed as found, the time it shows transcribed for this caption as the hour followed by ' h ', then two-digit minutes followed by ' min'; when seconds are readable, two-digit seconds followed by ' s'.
5 h 09 min
